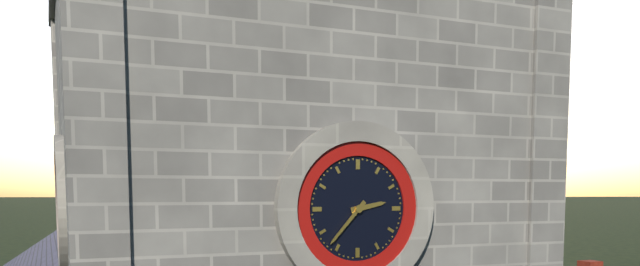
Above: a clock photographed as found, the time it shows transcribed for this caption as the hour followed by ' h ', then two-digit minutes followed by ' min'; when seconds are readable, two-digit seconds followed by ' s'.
2 h 37 min
